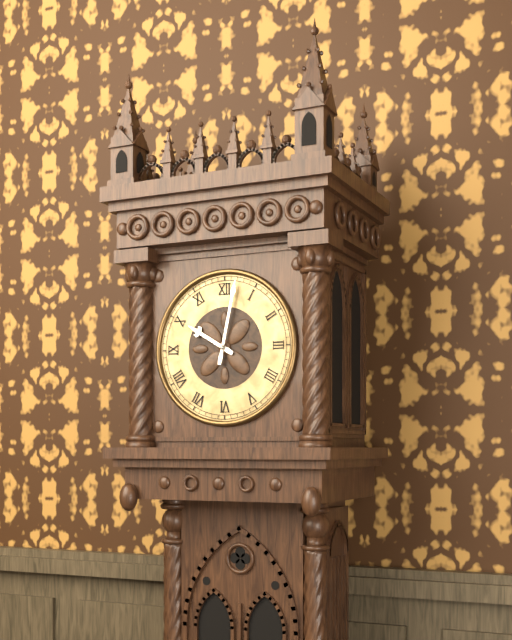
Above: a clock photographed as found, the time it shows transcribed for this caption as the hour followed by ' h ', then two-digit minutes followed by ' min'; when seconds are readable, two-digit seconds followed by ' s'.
10 h 02 min
